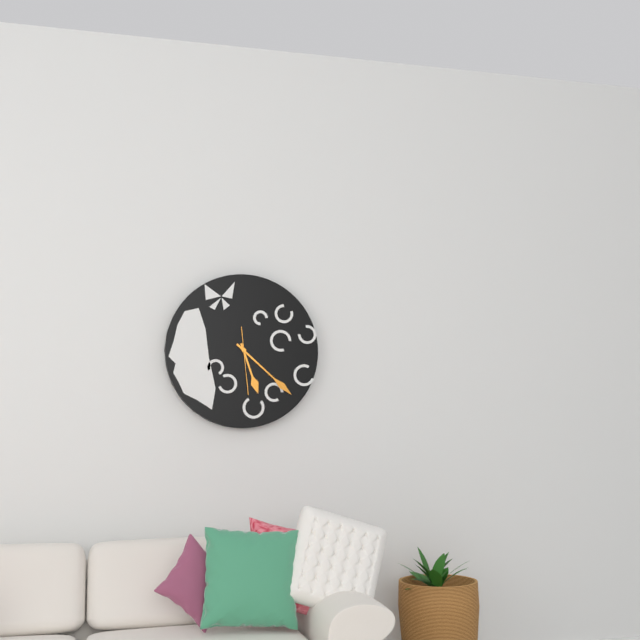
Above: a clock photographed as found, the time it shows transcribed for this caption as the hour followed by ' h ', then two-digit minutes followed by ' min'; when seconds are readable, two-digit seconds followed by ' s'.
5 h 22 min 29 s
